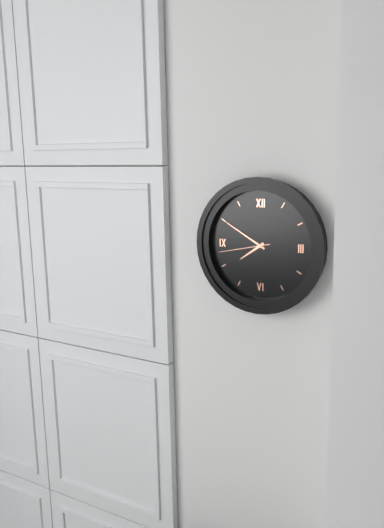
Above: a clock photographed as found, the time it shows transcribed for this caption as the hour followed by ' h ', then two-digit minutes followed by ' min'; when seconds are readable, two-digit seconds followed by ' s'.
7 h 50 min 43 s
